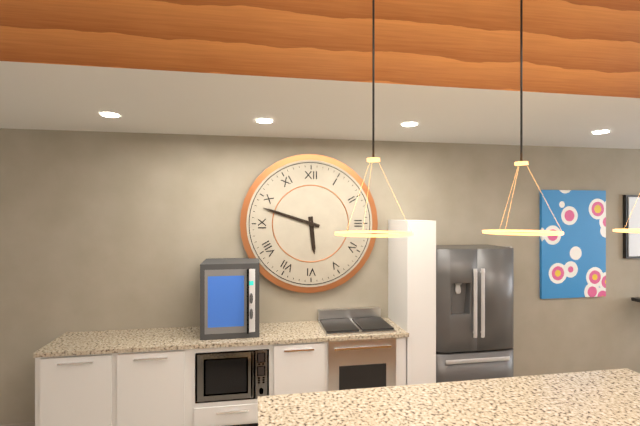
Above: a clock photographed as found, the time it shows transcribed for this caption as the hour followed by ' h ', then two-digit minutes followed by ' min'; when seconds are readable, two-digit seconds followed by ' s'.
5 h 48 min
